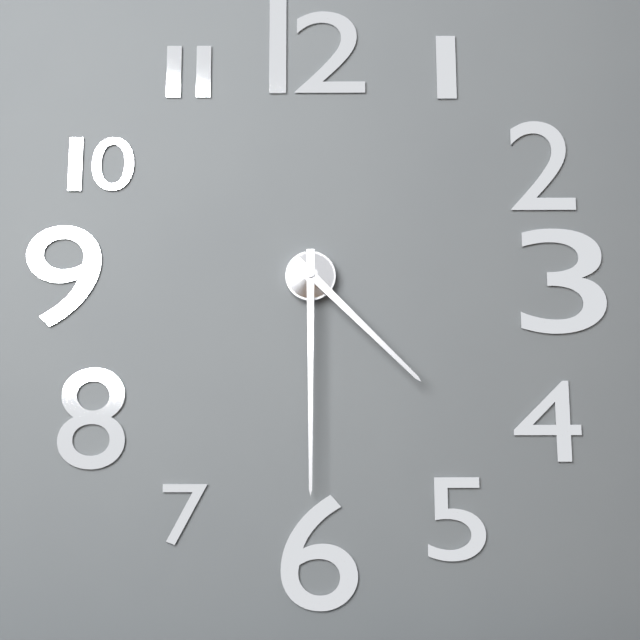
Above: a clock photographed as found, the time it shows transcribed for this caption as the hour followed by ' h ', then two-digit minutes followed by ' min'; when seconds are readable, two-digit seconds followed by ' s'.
4 h 30 min
